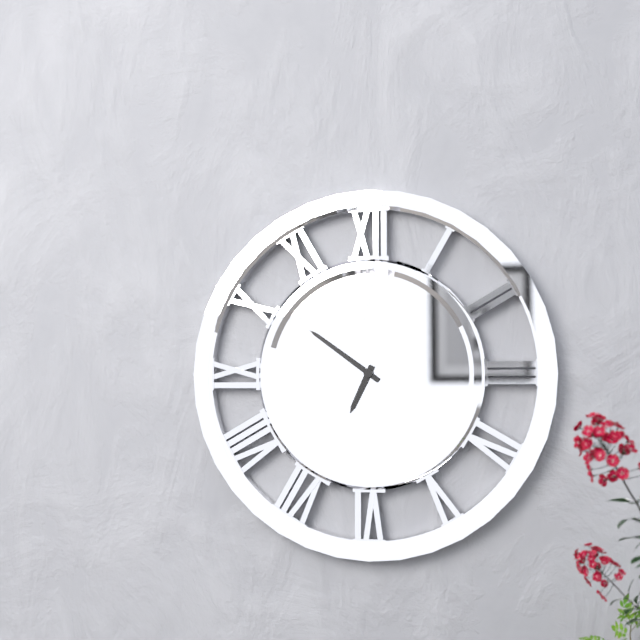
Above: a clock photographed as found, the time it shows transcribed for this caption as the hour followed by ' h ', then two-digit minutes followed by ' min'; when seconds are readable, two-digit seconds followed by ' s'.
6 h 51 min
